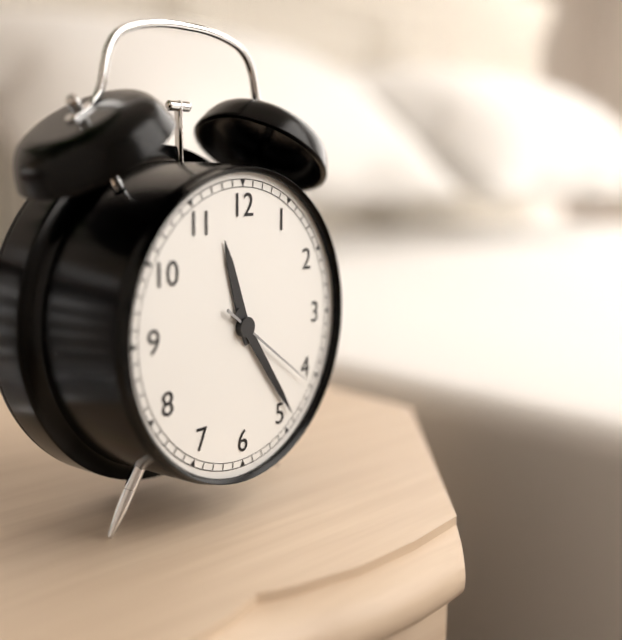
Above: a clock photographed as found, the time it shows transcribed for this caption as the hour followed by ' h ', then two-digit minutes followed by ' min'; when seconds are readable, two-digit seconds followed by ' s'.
11 h 24 min 21 s
